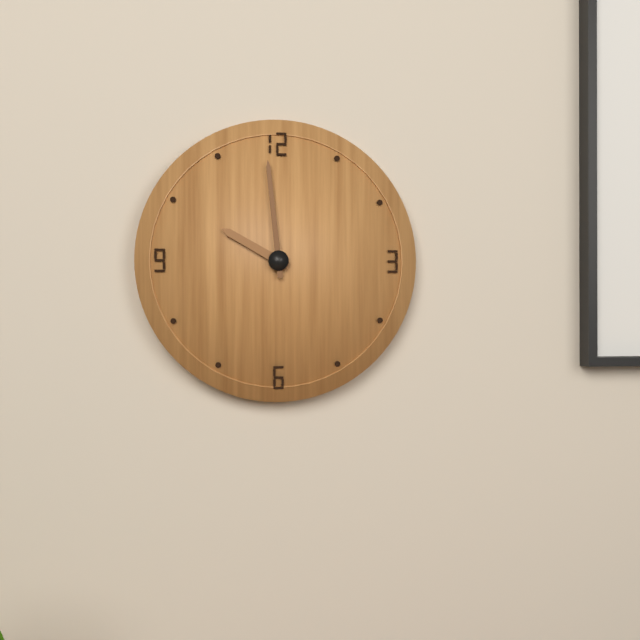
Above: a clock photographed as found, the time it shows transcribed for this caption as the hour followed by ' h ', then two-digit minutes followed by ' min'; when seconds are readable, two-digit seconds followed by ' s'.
9 h 59 min
